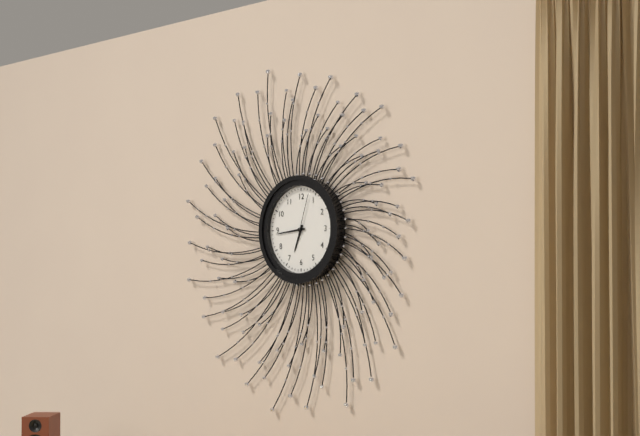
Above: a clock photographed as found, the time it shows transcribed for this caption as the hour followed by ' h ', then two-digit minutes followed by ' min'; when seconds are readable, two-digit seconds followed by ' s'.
6 h 44 min
